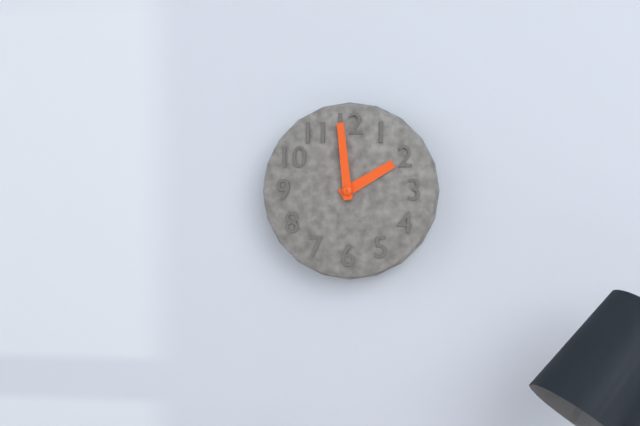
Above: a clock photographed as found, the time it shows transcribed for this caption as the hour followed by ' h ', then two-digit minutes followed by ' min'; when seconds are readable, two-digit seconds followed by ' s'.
1 h 59 min
